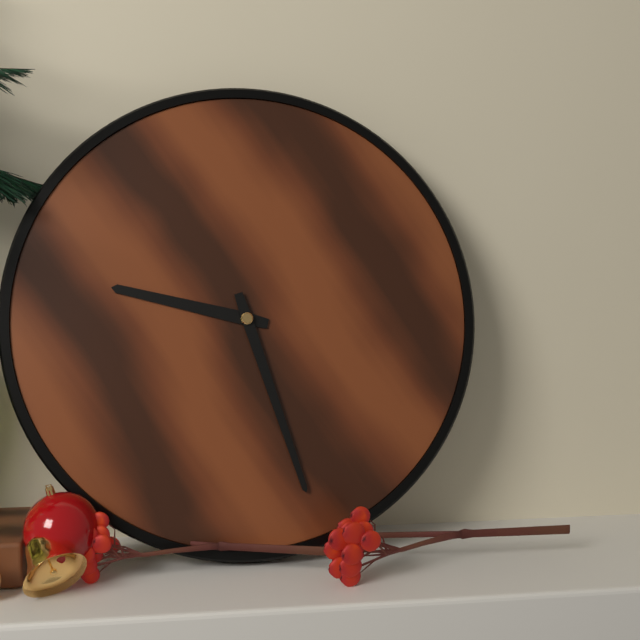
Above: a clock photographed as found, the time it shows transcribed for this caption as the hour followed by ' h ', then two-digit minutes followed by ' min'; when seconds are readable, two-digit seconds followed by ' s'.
9 h 27 min
